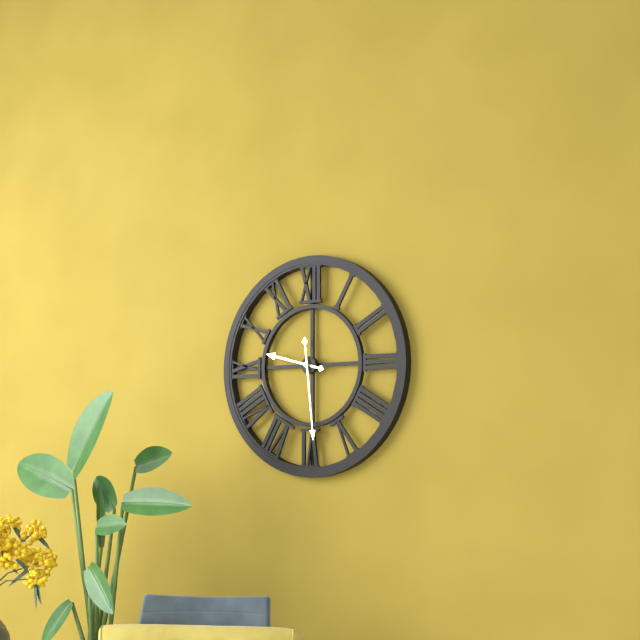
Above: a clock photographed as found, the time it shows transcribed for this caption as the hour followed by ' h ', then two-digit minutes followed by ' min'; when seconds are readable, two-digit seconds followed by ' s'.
9 h 29 min
